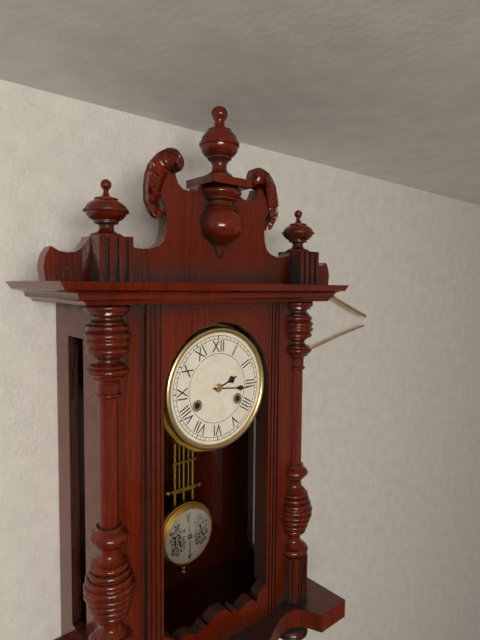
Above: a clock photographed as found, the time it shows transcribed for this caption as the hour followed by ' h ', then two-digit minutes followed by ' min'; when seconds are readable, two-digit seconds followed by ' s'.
2 h 16 min
